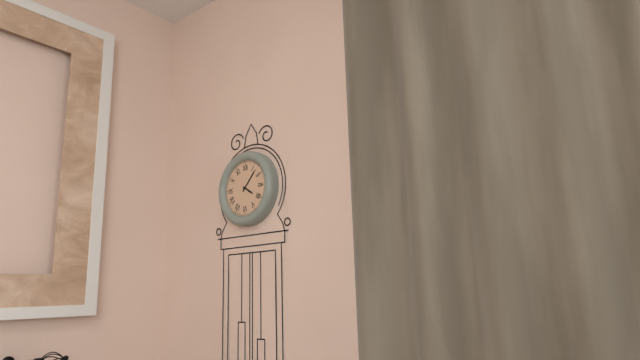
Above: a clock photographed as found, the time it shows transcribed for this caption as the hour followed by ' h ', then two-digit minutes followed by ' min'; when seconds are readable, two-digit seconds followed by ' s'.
4 h 07 min
